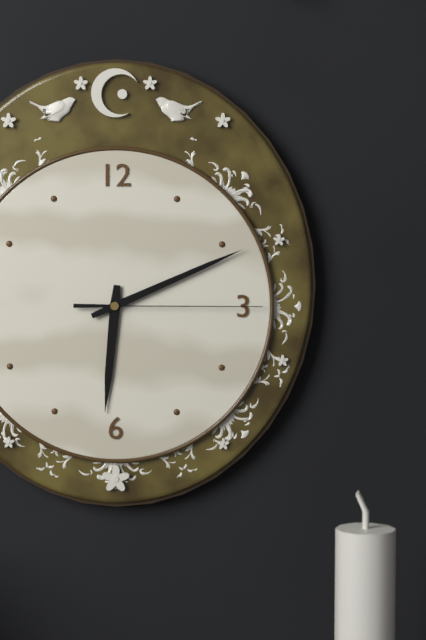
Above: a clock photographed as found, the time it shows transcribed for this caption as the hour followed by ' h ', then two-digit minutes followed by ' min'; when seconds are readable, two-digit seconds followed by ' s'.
6 h 11 min 15 s
